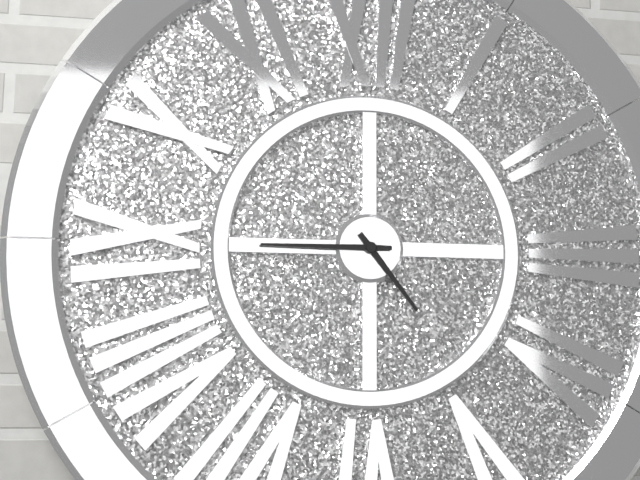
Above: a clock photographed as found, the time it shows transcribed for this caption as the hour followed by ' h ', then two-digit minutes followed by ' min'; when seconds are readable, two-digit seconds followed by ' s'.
4 h 45 min
